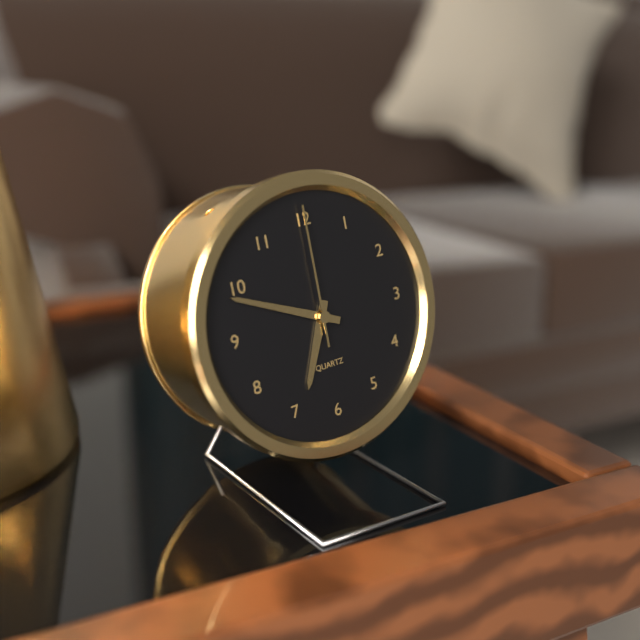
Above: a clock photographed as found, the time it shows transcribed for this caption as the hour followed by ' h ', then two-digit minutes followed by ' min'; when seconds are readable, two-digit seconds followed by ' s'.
6 h 49 min 00 s
